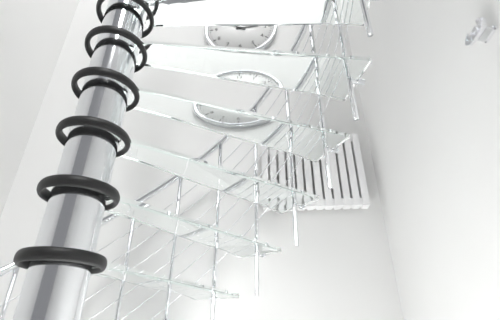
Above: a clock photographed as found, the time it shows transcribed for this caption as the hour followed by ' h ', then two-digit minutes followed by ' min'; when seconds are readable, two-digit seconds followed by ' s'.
2 h 50 min
